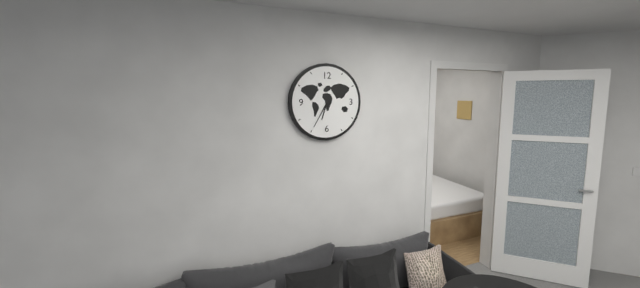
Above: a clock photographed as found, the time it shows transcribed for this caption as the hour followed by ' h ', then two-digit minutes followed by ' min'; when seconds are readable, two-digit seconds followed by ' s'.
6 h 35 min
